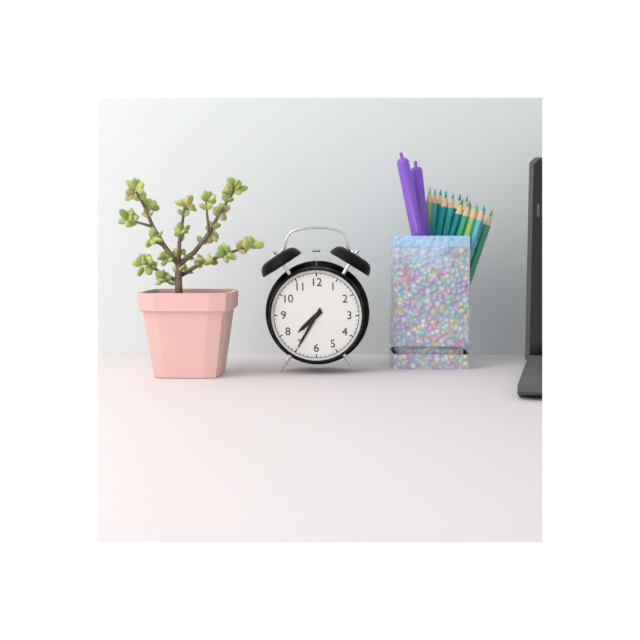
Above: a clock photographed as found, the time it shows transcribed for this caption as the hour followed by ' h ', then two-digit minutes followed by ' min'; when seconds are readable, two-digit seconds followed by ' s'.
7 h 35 min
